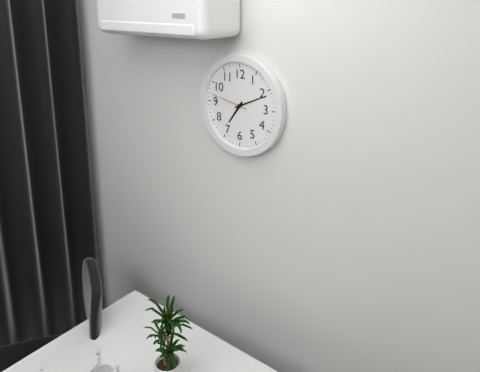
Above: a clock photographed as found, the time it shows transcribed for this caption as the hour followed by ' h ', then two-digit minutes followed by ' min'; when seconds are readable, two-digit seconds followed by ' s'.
7 h 11 min
